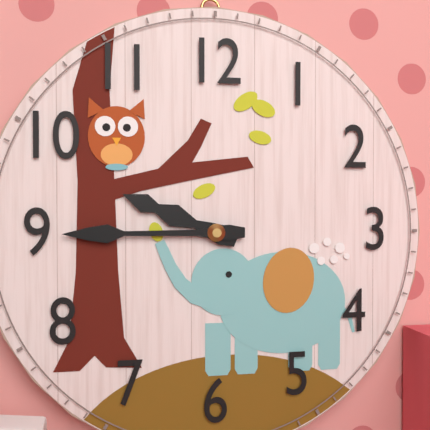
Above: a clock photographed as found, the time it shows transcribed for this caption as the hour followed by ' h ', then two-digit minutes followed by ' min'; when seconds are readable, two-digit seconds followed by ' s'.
9 h 45 min
